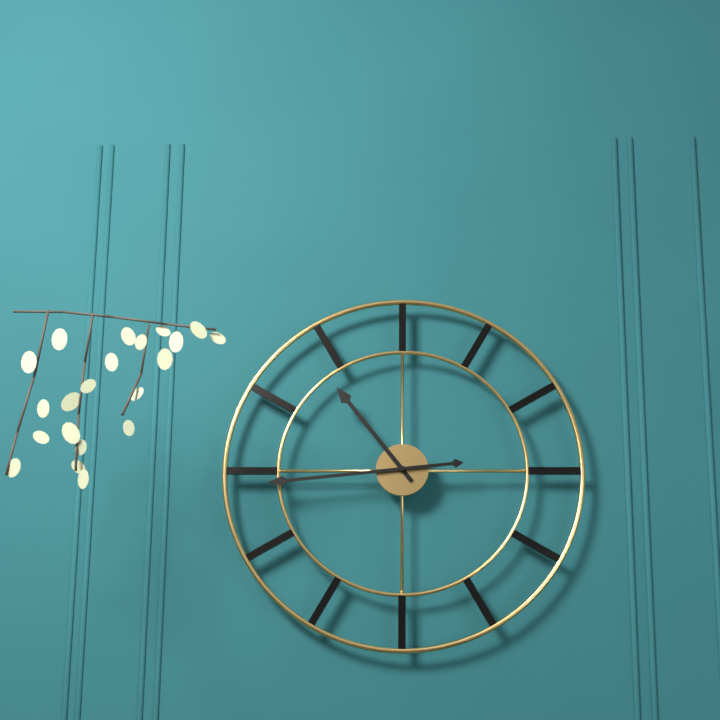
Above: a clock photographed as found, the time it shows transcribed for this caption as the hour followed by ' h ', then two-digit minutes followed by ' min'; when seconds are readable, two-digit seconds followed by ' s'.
10 h 44 min
